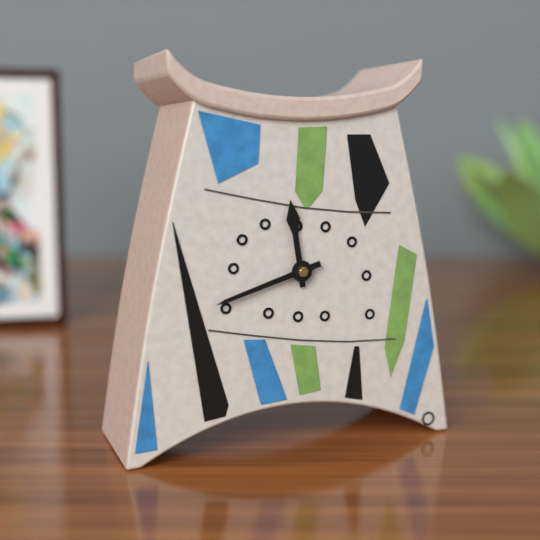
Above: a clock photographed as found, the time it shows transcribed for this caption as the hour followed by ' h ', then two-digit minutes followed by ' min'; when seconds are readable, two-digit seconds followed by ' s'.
11 h 42 min
